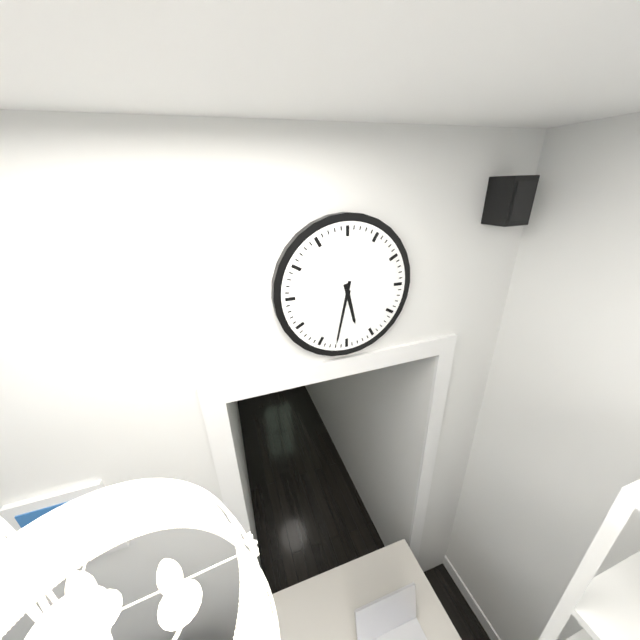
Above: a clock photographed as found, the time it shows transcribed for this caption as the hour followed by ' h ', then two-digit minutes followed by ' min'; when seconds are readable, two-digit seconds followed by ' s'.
5 h 32 min
